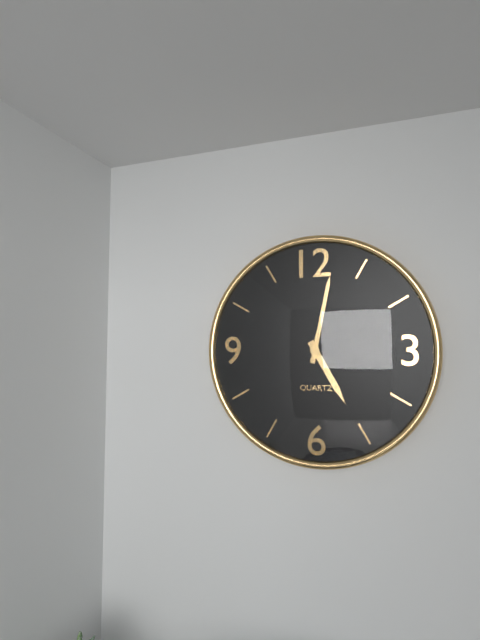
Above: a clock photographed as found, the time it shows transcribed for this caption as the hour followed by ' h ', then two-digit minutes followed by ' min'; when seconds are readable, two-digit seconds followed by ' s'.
5 h 02 min
